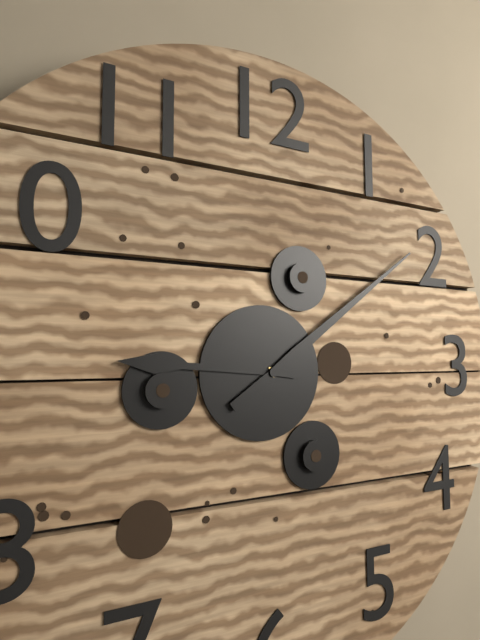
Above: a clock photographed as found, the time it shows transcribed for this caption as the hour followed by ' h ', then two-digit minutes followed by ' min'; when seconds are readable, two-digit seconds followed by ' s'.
9 h 09 min
